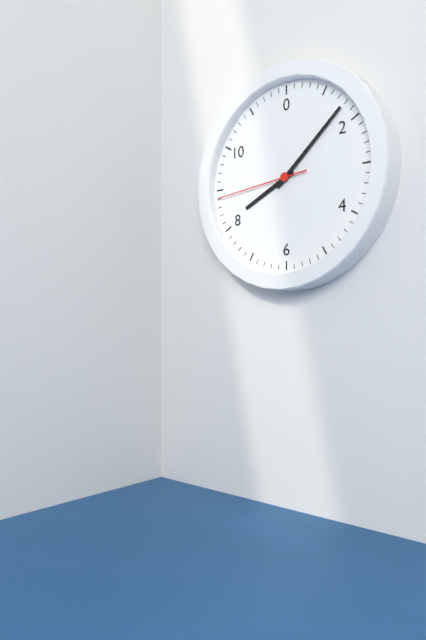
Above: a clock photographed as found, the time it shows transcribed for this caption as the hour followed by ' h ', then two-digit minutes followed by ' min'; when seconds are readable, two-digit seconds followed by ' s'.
8 h 08 min 44 s
